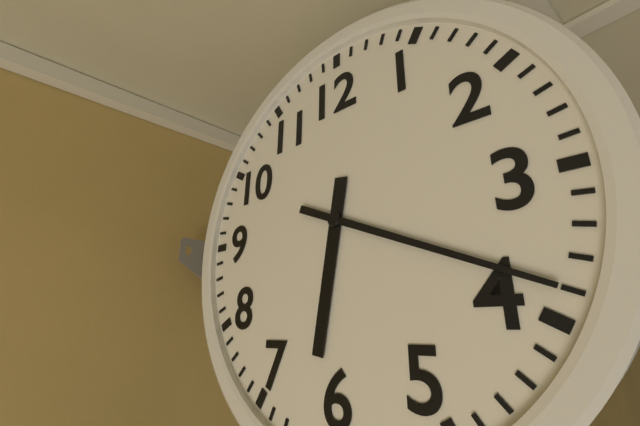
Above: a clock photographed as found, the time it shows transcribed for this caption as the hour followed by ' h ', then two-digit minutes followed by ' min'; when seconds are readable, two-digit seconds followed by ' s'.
6 h 19 min
